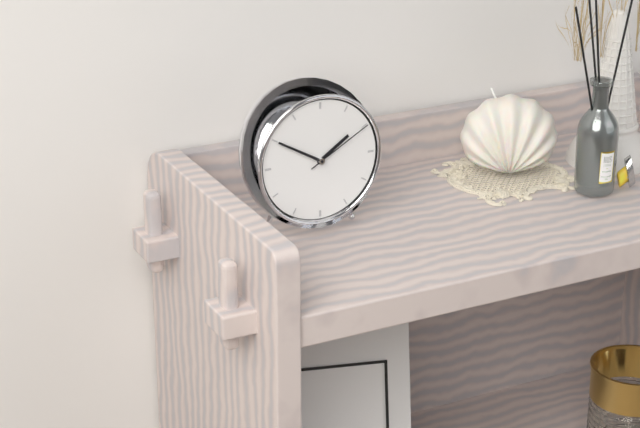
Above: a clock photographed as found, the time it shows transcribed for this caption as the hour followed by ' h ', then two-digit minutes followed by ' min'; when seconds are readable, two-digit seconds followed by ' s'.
1 h 50 min 10 s
